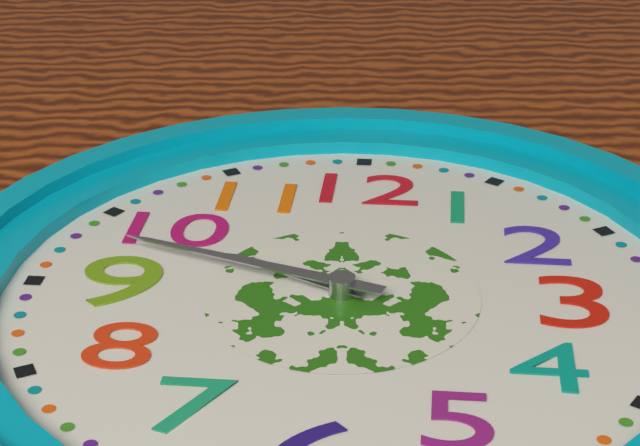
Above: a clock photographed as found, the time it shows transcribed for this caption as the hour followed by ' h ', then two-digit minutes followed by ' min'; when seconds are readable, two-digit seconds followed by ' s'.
9 h 48 min
